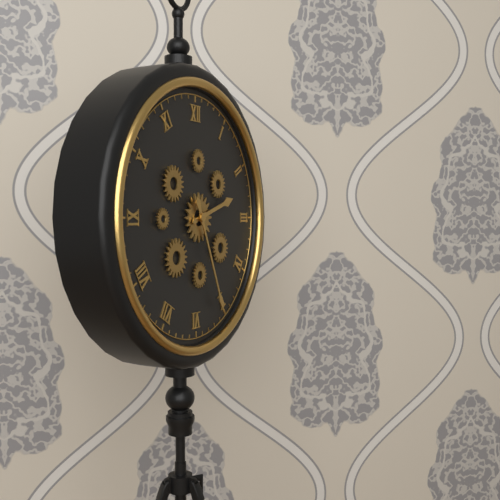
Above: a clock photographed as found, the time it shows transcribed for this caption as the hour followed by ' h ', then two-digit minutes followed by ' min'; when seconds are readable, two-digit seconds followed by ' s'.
2 h 26 min
